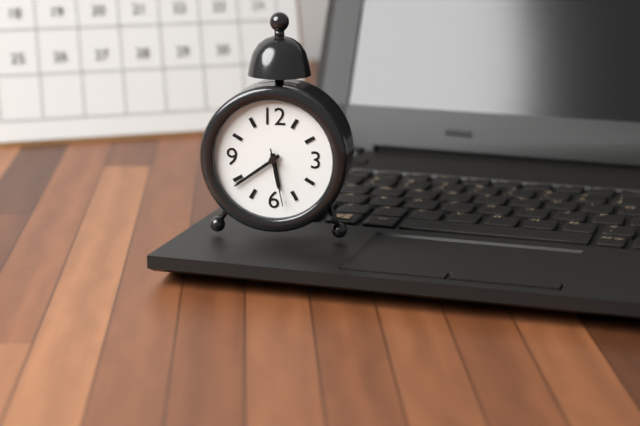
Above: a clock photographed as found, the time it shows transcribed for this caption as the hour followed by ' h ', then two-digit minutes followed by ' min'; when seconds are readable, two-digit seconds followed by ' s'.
5 h 39 min 28 s
